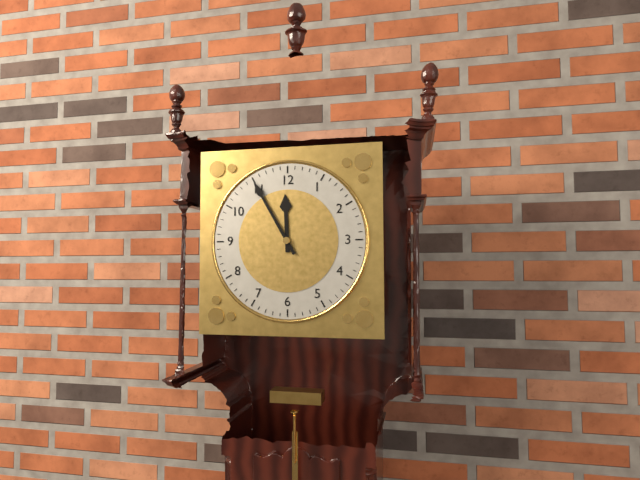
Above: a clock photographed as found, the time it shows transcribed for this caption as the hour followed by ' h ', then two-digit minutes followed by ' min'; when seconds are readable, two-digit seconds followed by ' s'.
11 h 55 min
